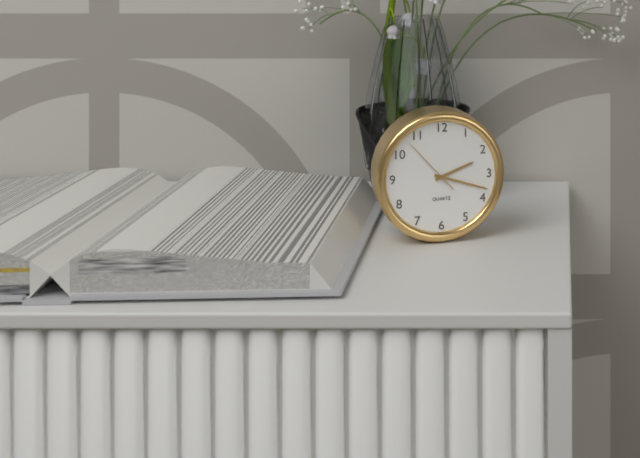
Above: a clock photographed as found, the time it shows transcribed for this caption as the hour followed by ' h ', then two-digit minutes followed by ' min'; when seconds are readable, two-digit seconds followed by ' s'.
2 h 18 min 53 s
